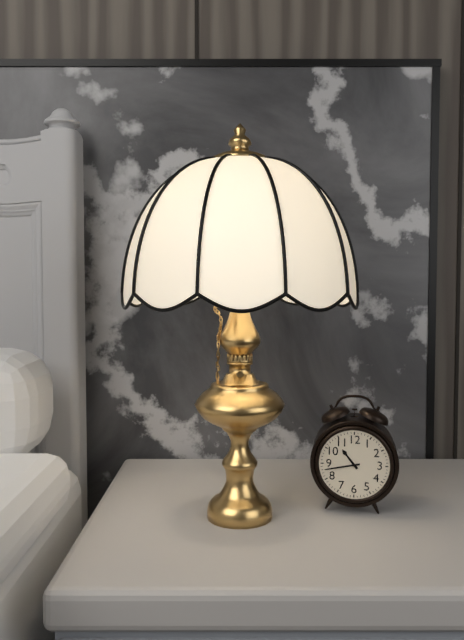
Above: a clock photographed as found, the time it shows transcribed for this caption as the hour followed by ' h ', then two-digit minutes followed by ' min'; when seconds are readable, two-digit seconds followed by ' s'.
10 h 43 min
